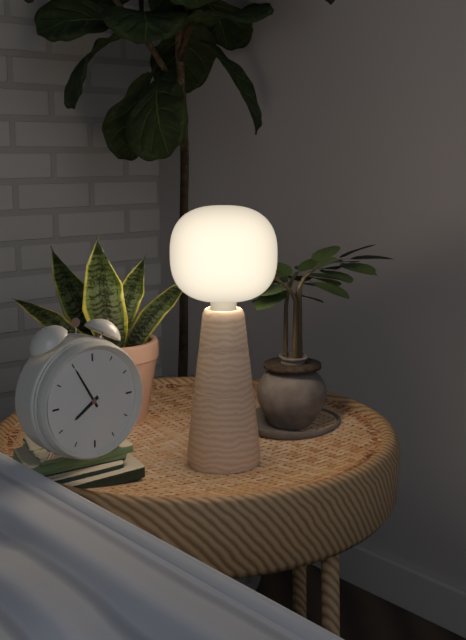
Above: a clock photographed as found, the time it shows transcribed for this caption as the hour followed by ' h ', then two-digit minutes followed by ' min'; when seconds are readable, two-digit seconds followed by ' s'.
7 h 55 min
